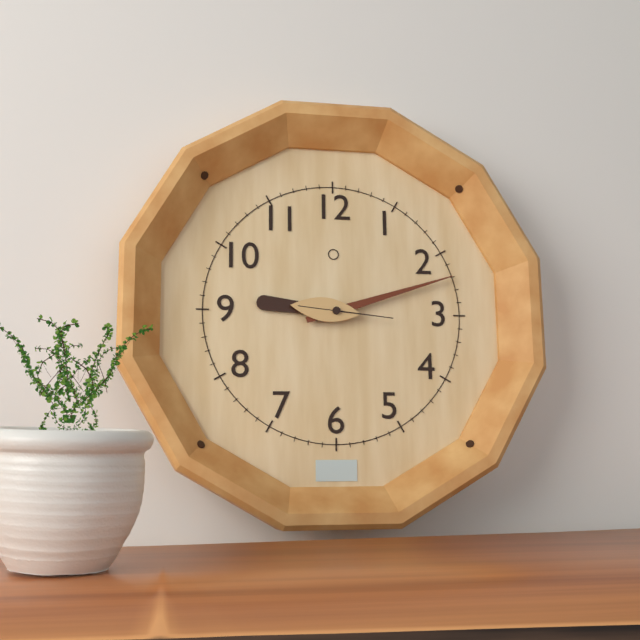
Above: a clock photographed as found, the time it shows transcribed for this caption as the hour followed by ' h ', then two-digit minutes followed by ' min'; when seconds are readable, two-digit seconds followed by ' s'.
9 h 12 min 16 s
